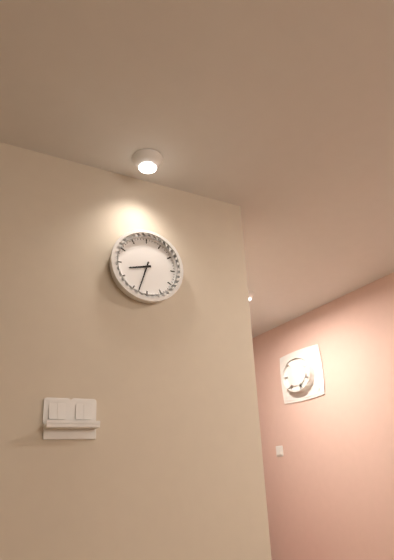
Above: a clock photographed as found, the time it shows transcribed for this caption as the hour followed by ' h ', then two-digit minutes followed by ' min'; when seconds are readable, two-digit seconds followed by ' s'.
8 h 33 min
